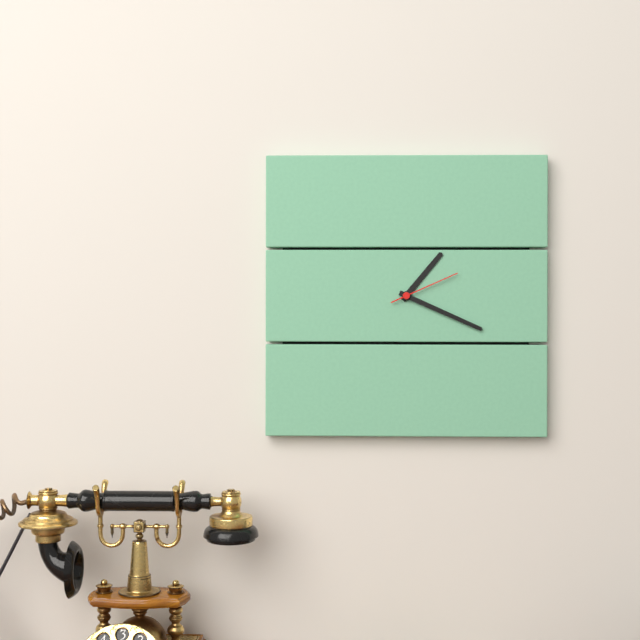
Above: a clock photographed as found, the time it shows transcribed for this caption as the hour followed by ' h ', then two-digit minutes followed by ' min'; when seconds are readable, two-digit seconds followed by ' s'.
1 h 19 min 11 s
